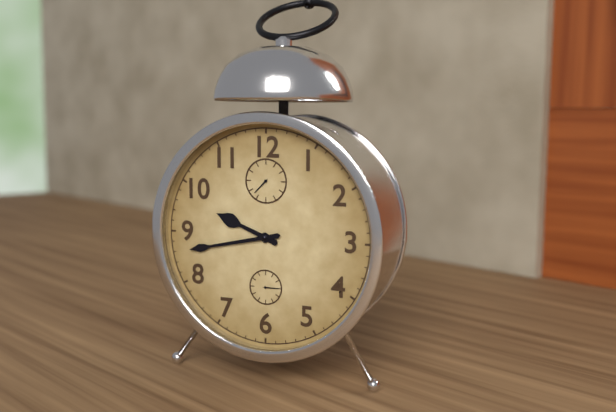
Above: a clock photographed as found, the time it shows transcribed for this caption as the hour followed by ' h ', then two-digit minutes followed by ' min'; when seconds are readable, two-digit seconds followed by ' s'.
9 h 43 min
